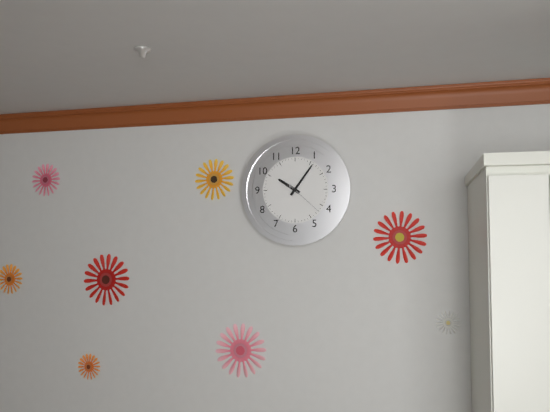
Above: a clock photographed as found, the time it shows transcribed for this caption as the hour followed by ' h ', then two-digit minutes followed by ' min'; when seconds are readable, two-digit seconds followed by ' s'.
10 h 06 min
